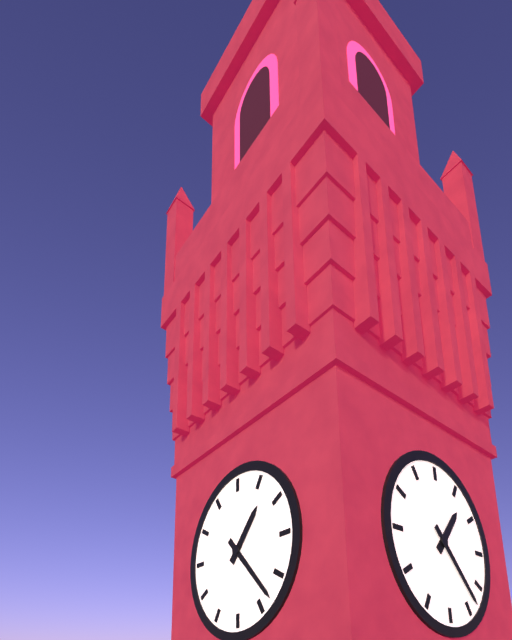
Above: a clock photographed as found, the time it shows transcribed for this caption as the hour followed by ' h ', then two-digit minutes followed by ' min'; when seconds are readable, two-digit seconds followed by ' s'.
1 h 23 min
